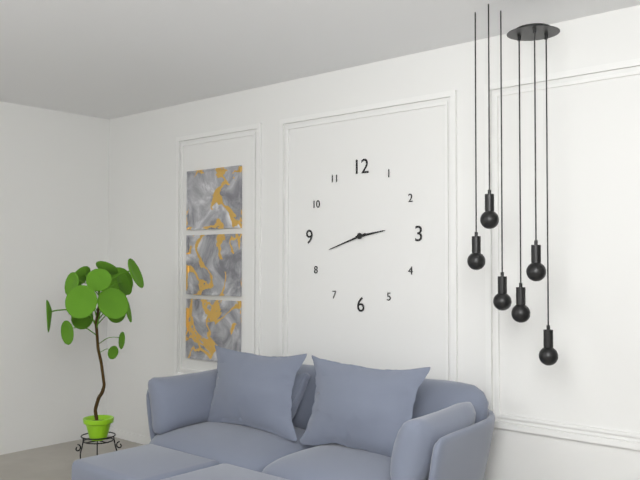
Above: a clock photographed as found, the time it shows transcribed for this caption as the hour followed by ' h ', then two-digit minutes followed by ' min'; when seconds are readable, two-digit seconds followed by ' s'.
2 h 42 min
